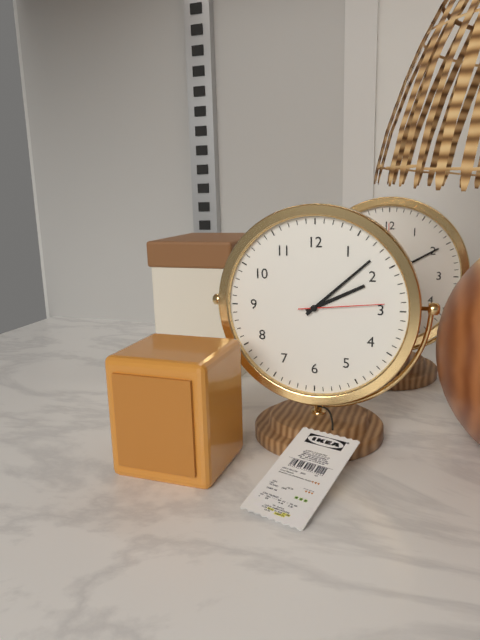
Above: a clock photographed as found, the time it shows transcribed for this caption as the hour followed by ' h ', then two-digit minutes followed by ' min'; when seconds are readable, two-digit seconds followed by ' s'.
2 h 08 min 14 s
